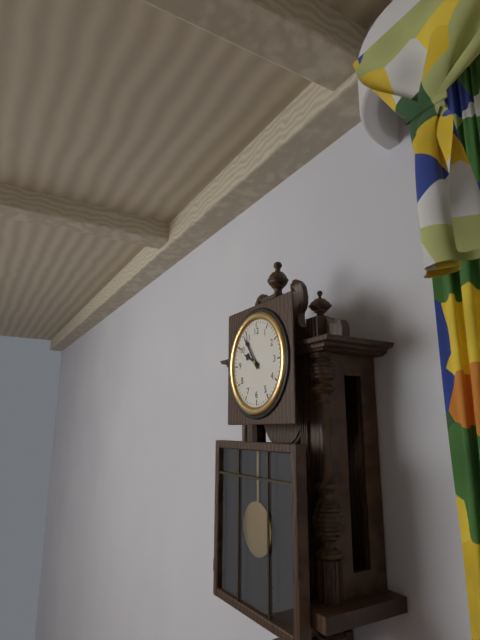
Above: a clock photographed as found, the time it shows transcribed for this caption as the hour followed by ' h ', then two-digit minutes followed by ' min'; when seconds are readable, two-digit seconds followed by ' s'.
9 h 54 min
